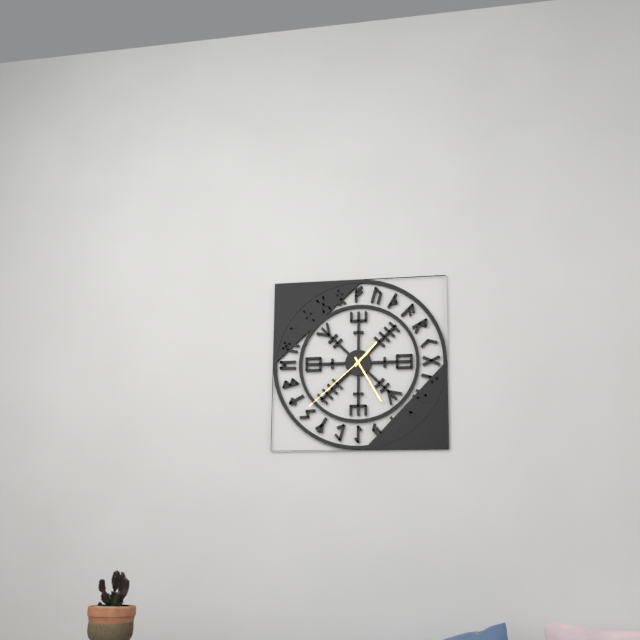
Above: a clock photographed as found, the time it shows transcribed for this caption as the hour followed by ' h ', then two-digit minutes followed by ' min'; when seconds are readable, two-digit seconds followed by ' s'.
1 h 25 min 38 s
